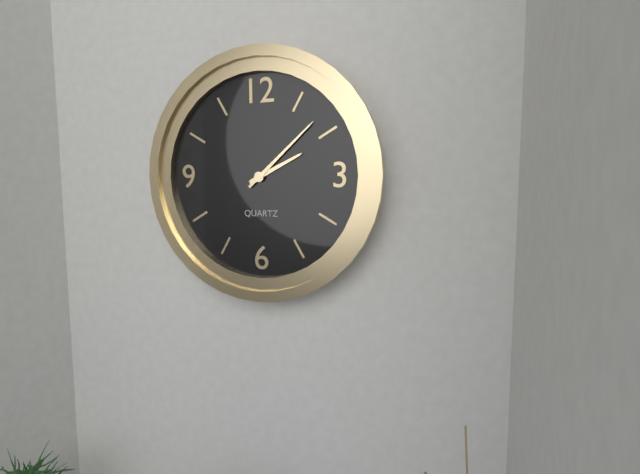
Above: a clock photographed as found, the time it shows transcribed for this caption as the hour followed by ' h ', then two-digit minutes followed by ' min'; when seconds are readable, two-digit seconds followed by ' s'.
2 h 08 min
